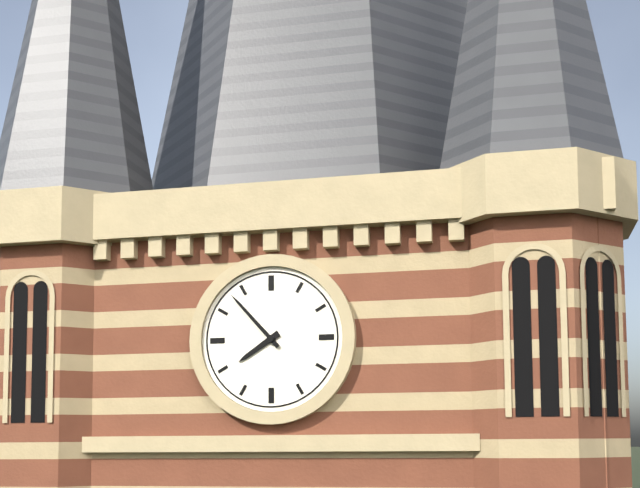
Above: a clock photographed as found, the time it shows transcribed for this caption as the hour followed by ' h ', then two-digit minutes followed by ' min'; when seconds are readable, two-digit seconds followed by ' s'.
7 h 53 min
